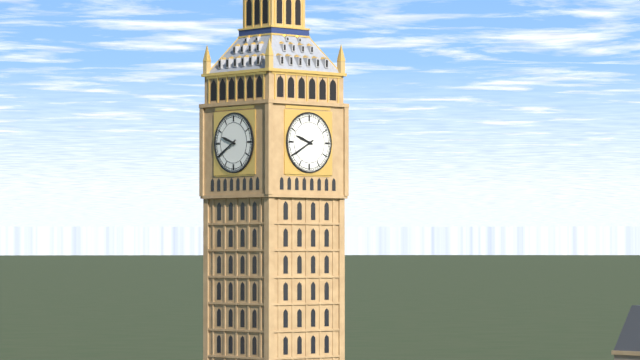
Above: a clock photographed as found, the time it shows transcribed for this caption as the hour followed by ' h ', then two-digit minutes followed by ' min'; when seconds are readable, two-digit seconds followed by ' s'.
9 h 40 min
